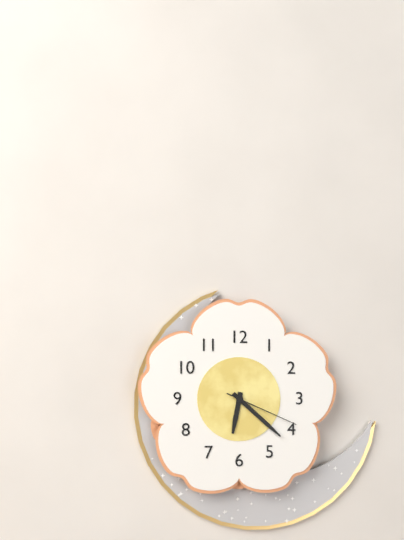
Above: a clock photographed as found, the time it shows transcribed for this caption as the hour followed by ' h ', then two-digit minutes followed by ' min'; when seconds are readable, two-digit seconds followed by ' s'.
6 h 22 min 19 s
